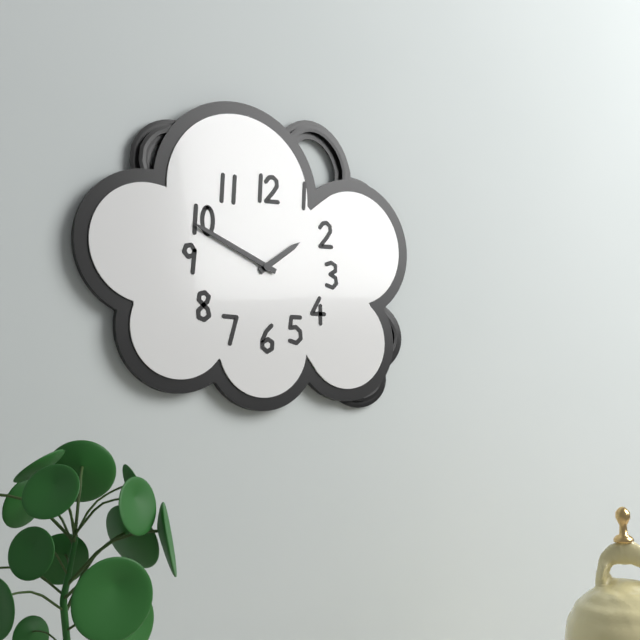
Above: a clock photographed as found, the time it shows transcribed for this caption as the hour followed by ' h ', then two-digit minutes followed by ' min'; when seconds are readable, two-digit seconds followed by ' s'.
1 h 49 min
